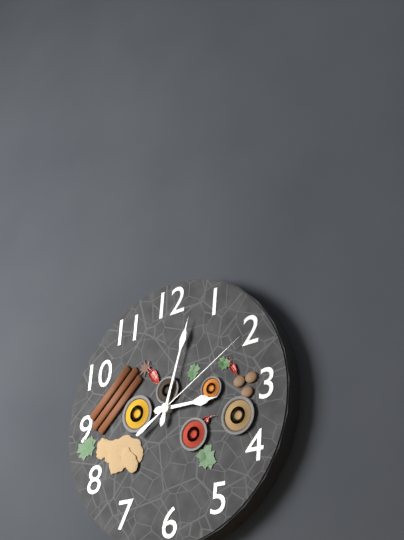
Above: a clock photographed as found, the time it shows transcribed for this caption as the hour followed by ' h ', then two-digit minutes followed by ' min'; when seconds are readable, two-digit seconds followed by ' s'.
3 h 03 min 10 s
